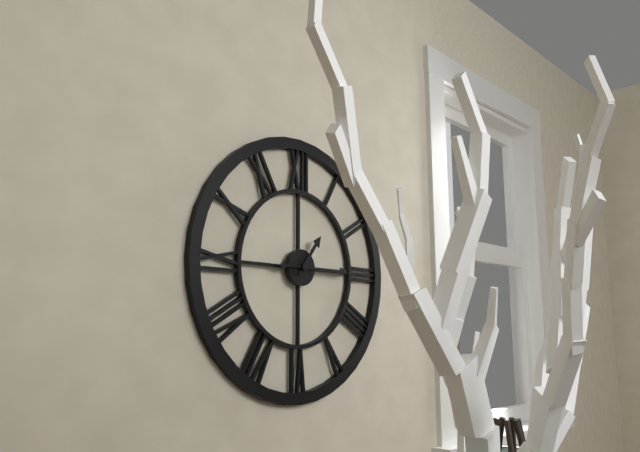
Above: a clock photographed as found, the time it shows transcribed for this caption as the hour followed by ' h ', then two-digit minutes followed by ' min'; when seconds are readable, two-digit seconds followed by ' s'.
1 h 15 min
